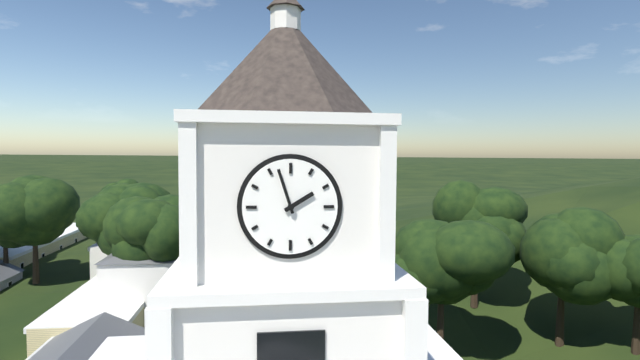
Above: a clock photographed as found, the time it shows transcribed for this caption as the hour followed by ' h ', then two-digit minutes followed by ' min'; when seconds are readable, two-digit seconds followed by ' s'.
1 h 57 min
